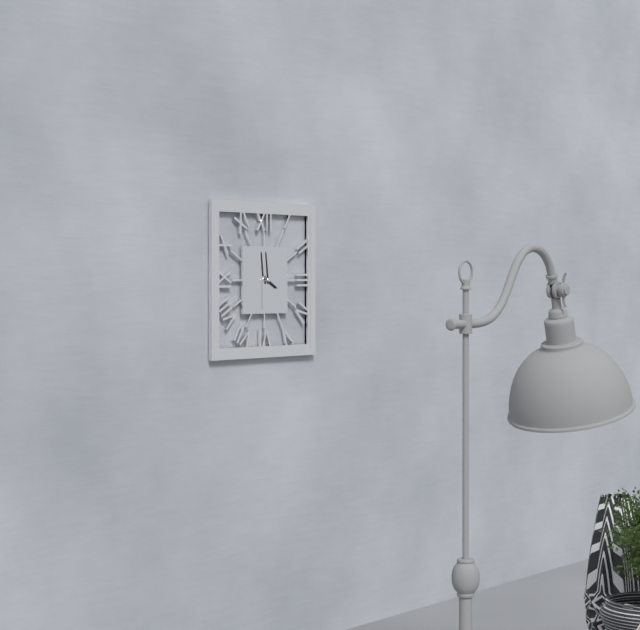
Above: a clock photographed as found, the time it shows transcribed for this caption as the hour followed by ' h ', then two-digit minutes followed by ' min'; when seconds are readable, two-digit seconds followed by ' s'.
3 h 59 min
